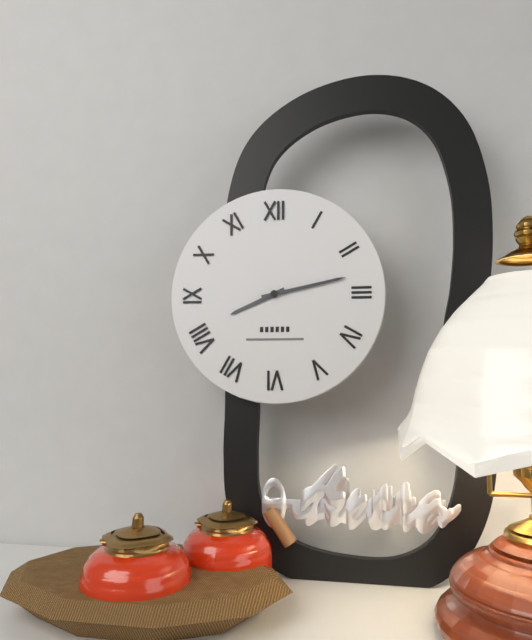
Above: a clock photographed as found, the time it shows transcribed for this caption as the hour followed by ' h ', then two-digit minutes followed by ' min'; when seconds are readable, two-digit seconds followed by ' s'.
8 h 13 min
